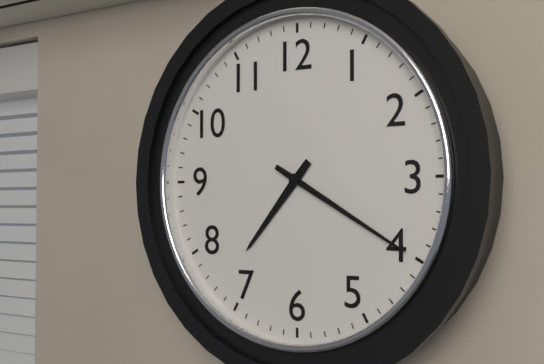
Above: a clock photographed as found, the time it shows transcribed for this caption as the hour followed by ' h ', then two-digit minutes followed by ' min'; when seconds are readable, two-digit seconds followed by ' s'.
7 h 20 min
